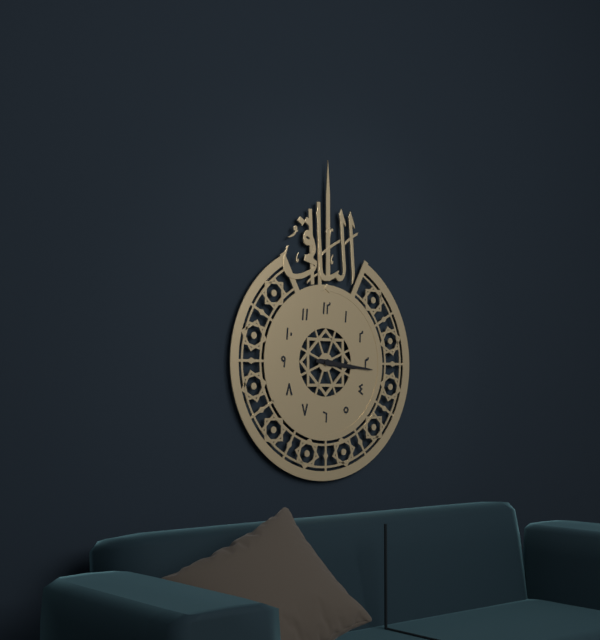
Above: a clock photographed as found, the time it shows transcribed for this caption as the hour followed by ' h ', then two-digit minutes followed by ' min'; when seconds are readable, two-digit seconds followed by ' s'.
3 h 16 min
